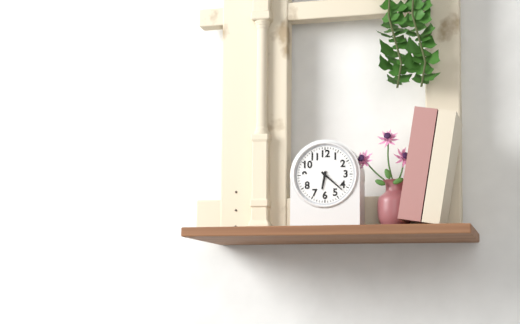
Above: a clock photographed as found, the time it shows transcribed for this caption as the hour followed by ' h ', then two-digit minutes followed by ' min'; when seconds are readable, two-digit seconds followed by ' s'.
6 h 22 min
